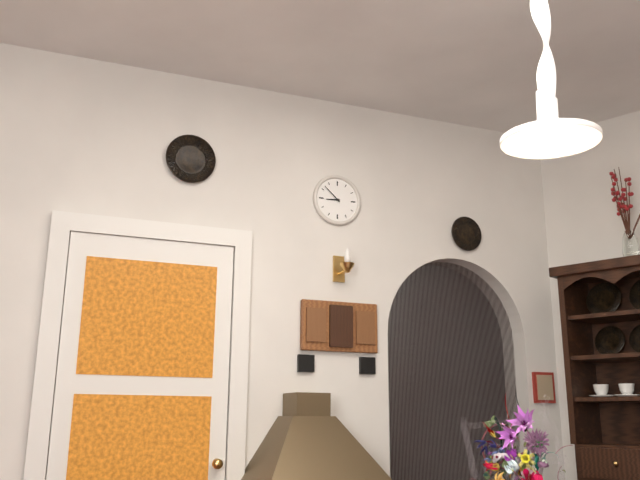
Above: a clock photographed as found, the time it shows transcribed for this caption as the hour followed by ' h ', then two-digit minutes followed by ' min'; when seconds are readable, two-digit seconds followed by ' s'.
8 h 52 min
